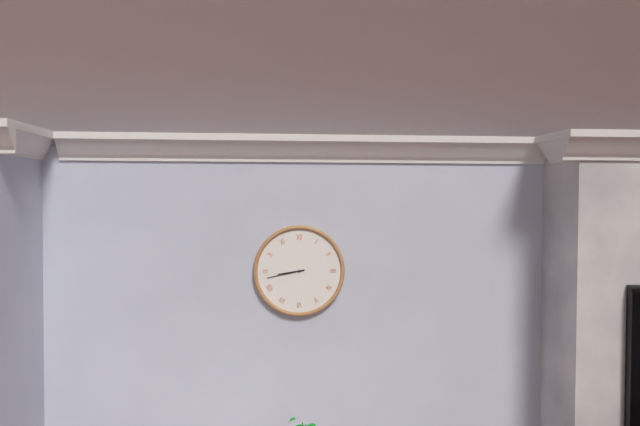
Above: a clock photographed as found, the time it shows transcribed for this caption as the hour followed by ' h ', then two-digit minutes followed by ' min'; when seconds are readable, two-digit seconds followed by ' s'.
8 h 43 min
